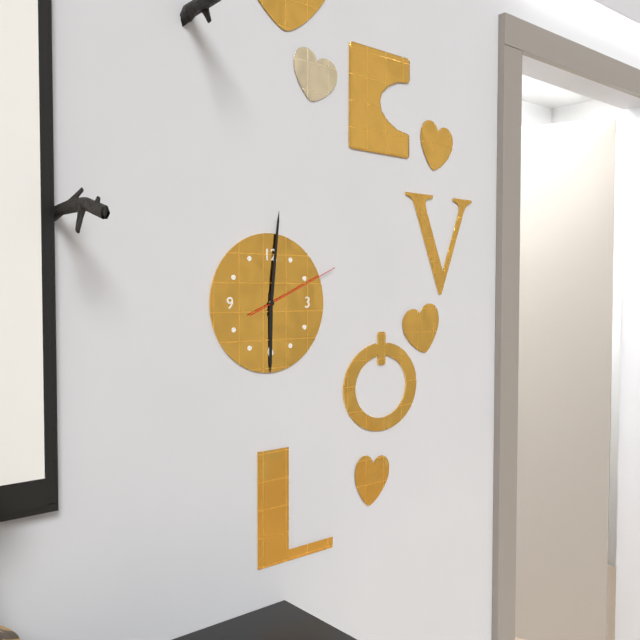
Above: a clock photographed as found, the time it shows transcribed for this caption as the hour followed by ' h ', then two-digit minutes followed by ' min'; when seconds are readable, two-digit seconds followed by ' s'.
6 h 01 min 11 s
